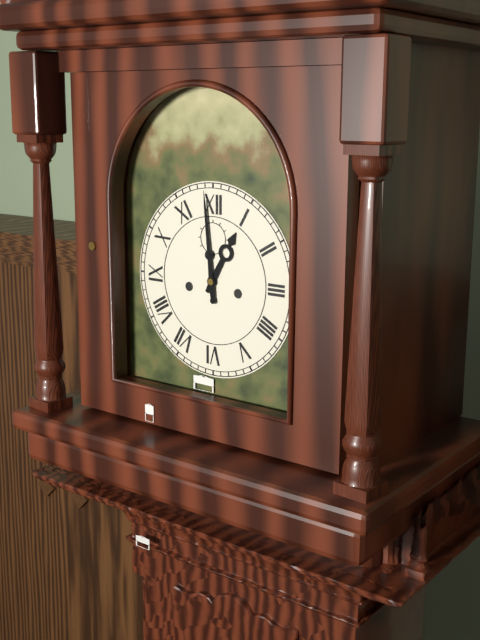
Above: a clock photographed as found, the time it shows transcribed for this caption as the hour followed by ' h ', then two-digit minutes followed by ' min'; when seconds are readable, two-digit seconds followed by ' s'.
12 h 59 min
